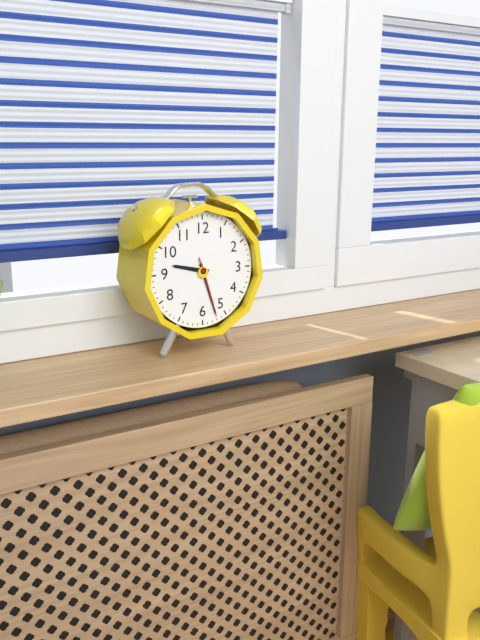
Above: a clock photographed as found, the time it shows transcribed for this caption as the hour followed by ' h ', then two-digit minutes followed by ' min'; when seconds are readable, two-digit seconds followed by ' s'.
9 h 27 min 27 s
